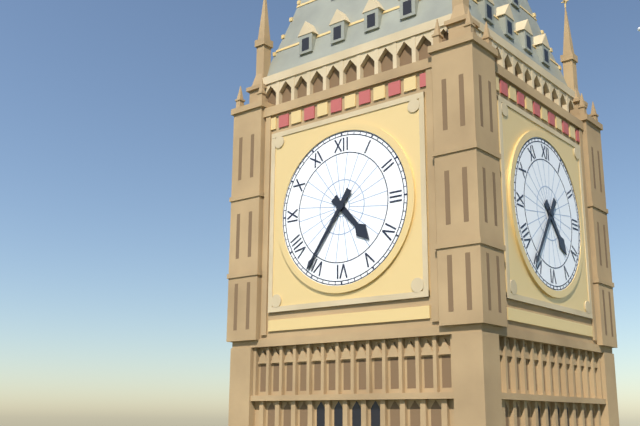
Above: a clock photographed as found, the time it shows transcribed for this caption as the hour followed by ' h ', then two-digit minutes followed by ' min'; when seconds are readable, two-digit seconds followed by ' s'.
4 h 36 min
